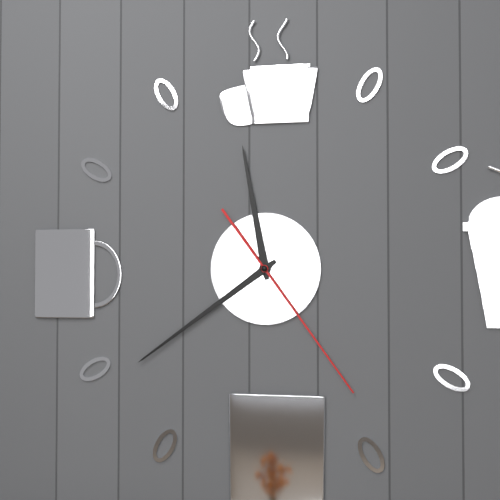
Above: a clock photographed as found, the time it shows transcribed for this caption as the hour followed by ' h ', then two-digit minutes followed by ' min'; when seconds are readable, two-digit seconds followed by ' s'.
11 h 39 min 24 s
